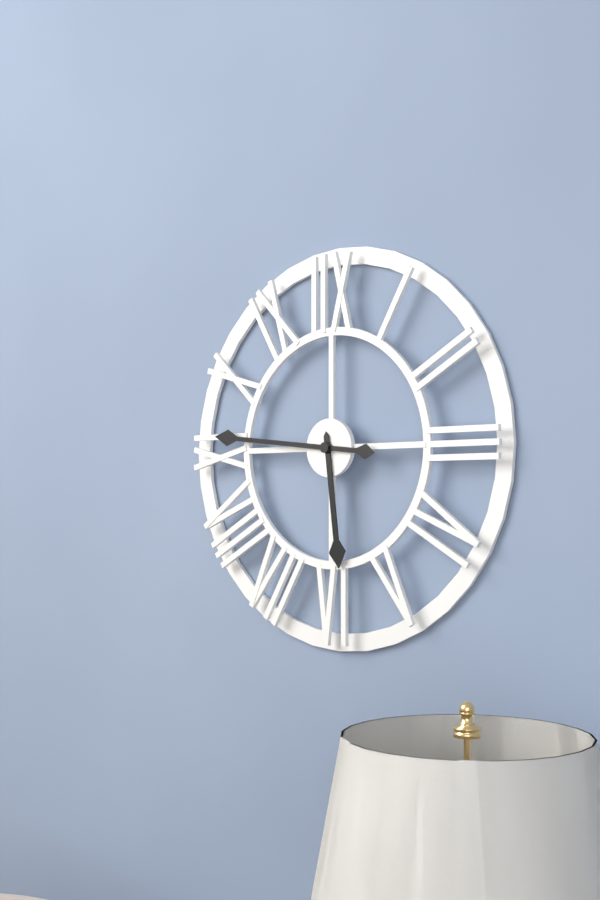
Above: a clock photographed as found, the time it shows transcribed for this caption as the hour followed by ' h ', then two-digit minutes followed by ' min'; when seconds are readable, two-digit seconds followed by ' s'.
5 h 46 min
